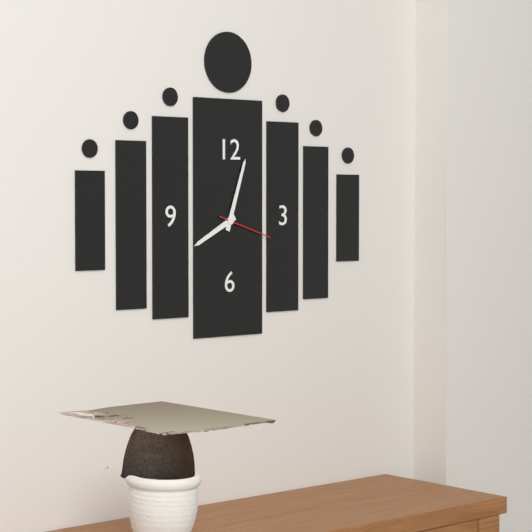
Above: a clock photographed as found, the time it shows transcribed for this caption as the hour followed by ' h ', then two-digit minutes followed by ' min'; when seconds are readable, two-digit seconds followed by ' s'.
8 h 03 min 18 s
